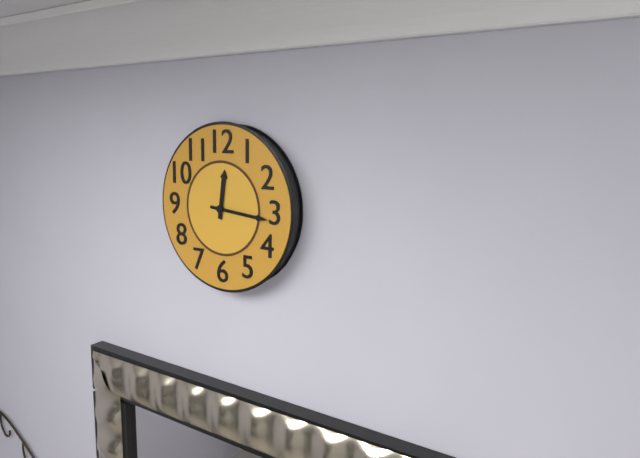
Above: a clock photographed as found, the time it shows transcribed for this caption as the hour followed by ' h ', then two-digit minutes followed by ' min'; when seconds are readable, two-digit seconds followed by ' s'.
12 h 16 min
